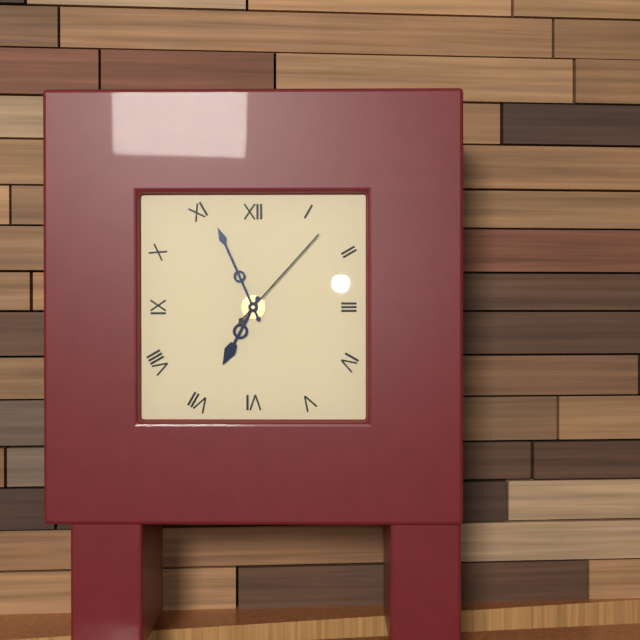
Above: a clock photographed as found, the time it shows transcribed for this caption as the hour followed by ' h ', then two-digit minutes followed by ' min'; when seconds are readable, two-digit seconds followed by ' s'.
6 h 56 min 07 s
